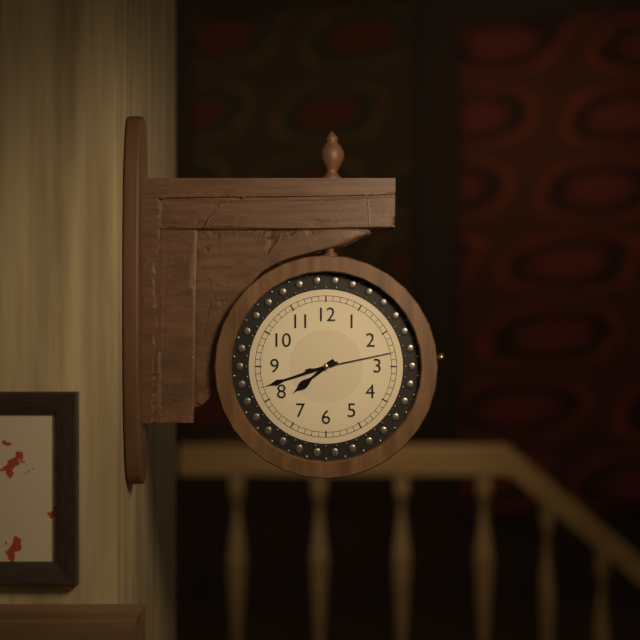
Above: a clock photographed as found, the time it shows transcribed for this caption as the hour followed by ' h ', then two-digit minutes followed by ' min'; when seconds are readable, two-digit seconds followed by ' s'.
7 h 42 min 13 s
